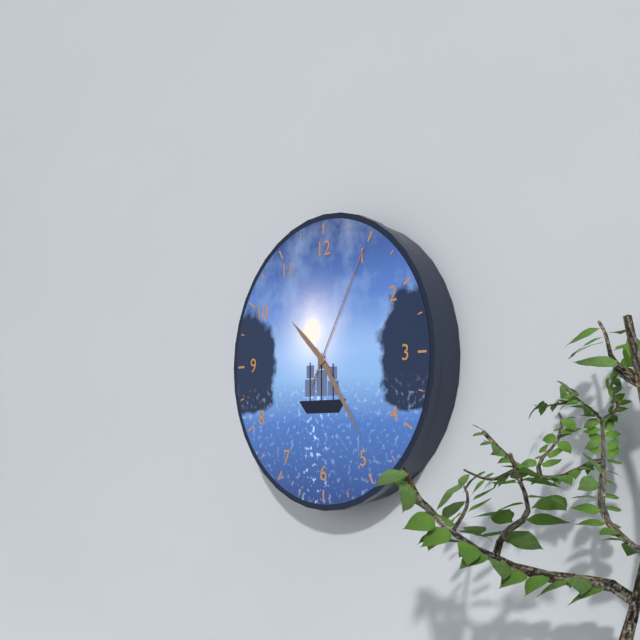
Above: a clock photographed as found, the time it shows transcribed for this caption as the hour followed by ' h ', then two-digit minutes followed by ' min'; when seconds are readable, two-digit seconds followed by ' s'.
10 h 24 min 05 s
